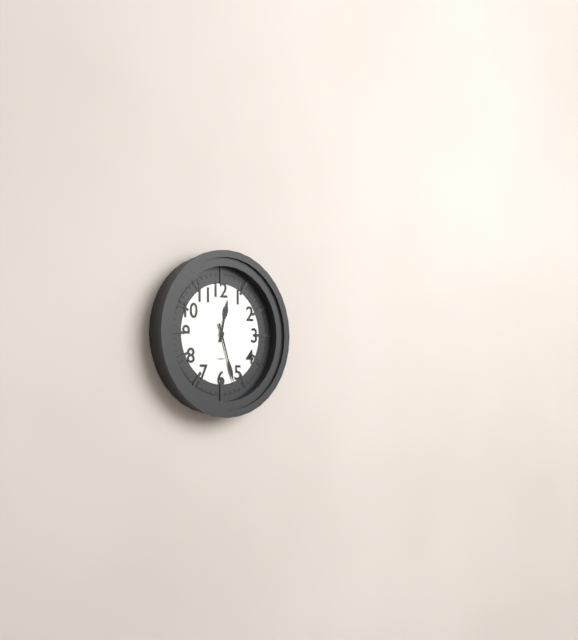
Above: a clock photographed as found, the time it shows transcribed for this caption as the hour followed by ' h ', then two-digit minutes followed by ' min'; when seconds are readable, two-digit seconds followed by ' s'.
12 h 27 min
